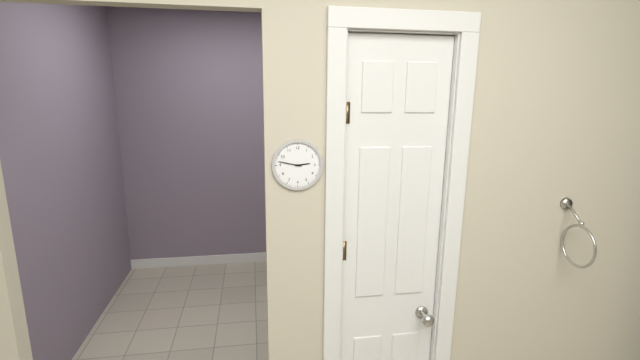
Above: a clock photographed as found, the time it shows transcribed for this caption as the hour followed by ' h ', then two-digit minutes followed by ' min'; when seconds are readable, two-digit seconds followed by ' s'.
2 h 47 min
